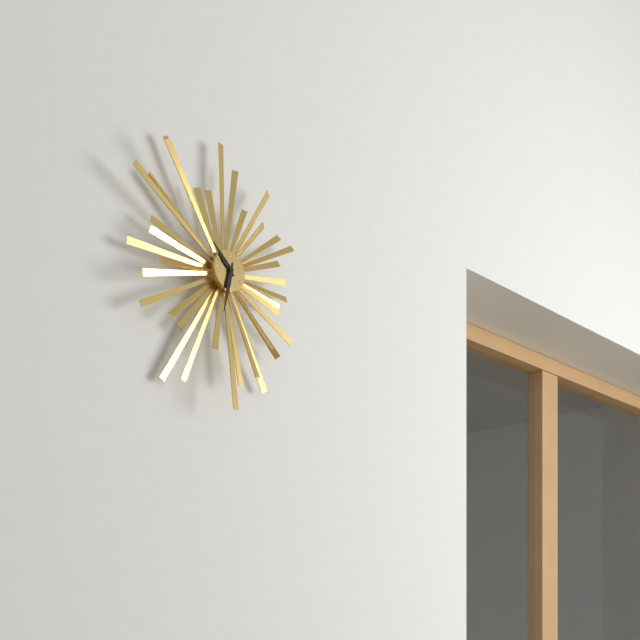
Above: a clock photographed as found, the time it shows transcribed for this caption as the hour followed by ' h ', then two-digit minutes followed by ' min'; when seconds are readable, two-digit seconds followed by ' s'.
10 h 32 min
